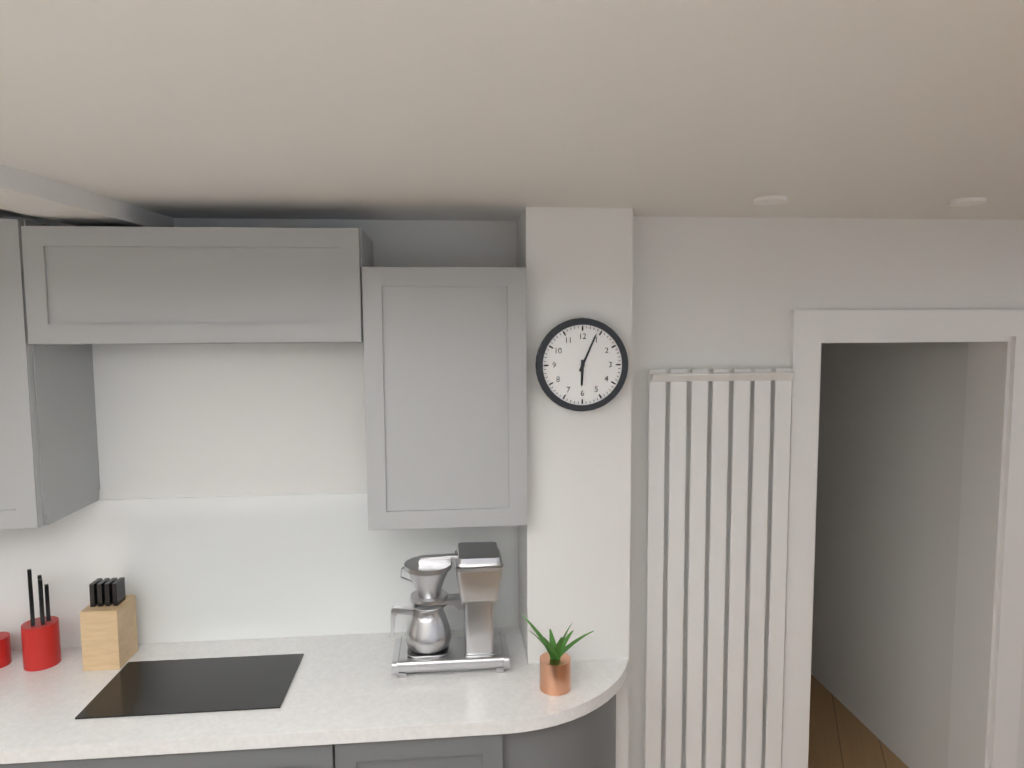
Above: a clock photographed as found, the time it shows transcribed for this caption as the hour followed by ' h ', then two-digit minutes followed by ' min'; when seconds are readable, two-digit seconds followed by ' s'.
6 h 04 min
